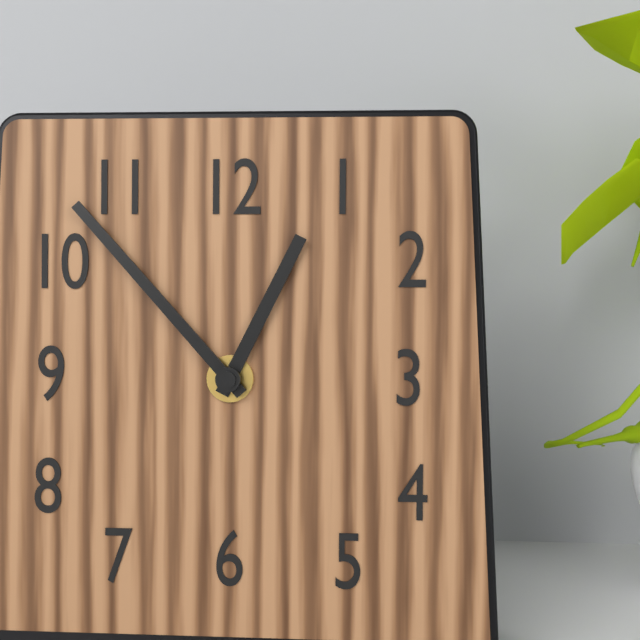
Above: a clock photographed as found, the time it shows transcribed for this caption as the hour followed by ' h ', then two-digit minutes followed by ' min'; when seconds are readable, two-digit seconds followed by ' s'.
12 h 53 min
